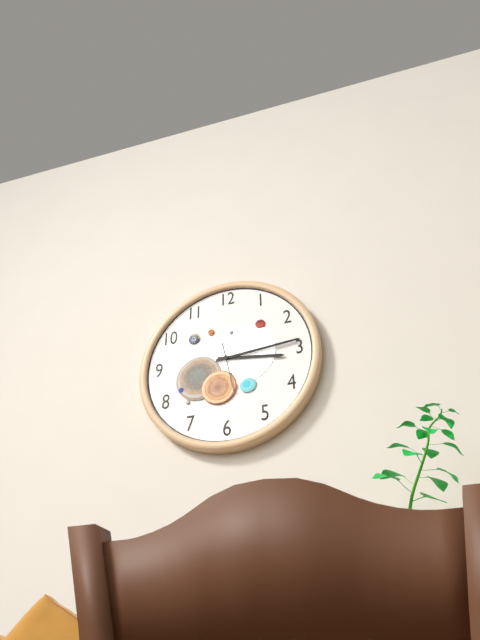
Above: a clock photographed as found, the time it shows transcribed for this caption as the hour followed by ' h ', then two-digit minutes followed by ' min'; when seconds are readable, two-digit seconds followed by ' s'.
3 h 14 min
